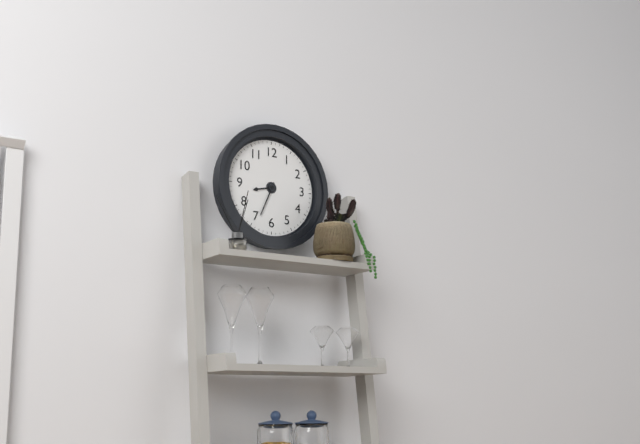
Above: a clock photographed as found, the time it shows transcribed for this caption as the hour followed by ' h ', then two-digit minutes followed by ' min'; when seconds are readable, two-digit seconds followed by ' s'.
8 h 34 min
